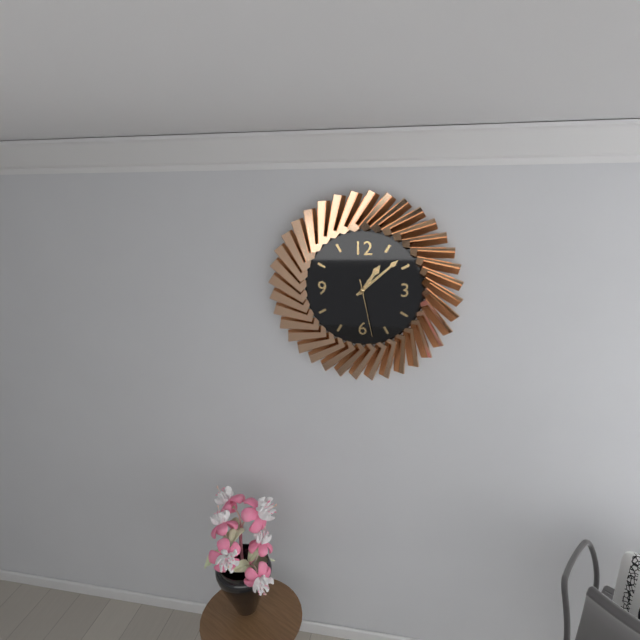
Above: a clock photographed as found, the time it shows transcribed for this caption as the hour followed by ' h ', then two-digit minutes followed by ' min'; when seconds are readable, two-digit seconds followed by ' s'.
1 h 08 min 28 s
